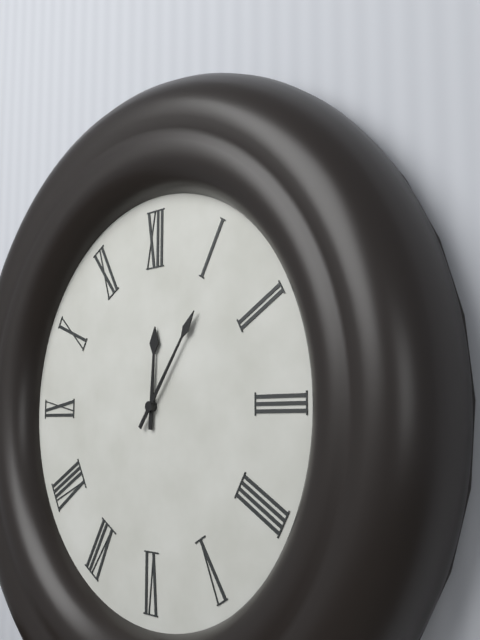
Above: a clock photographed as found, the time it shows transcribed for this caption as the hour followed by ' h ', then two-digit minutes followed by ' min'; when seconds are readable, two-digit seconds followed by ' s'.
12 h 06 min
